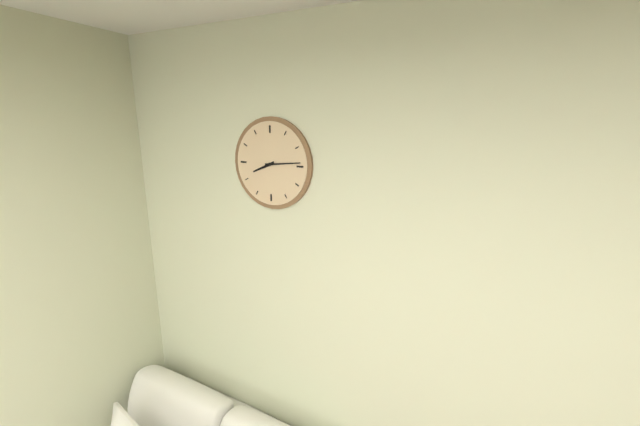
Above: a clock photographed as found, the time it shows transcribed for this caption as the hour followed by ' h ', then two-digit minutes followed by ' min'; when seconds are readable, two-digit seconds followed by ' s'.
8 h 14 min
